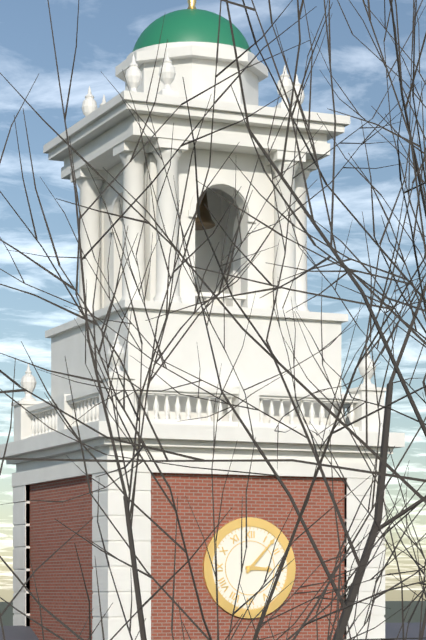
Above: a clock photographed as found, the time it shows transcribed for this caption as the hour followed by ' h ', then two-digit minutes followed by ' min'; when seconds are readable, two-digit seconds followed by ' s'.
3 h 07 min
